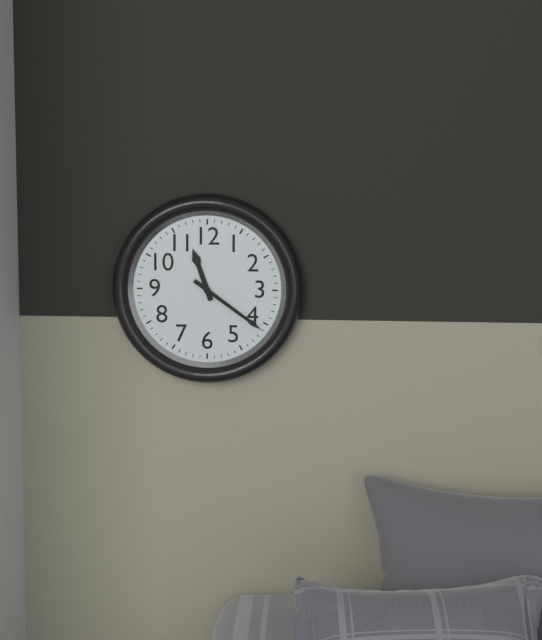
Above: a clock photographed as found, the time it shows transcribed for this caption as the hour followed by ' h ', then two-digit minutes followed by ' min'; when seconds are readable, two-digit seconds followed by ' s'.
11 h 21 min
